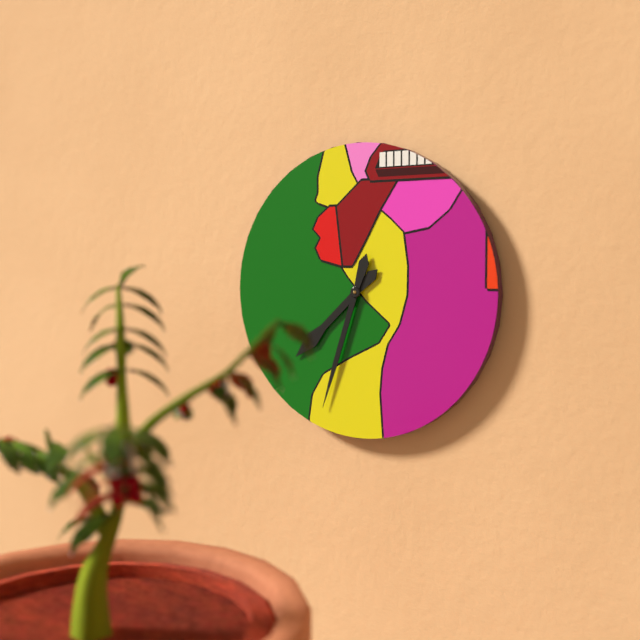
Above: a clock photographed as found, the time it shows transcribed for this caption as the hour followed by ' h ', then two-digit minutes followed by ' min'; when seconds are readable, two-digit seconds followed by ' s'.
7 h 33 min
